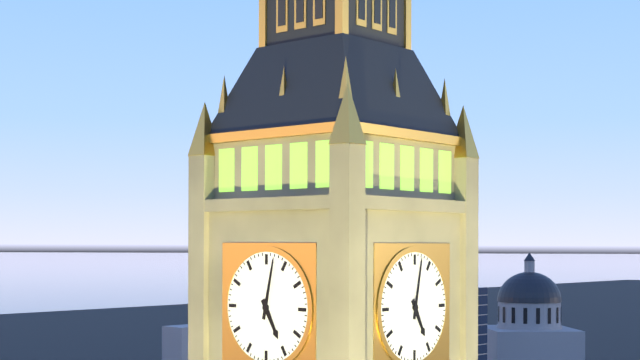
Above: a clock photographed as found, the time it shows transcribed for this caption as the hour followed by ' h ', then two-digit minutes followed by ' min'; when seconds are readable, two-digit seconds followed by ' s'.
5 h 02 min
